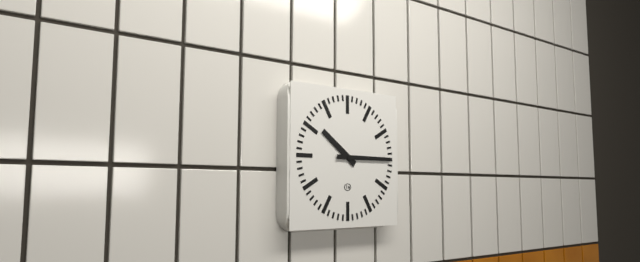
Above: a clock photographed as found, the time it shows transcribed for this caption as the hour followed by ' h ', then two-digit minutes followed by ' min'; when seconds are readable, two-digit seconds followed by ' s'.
10 h 15 min
